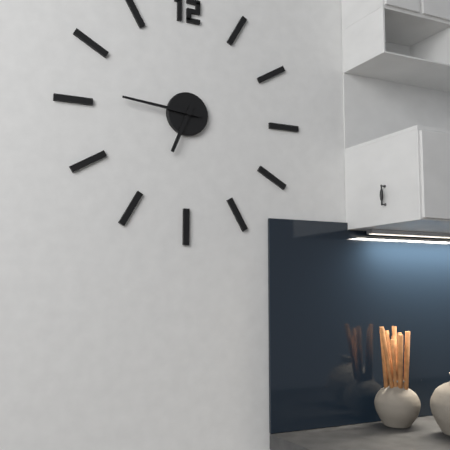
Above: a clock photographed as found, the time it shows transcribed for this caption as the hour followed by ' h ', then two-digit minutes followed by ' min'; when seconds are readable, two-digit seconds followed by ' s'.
6 h 46 min
